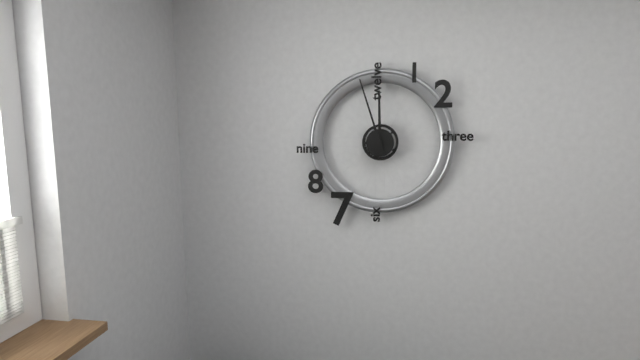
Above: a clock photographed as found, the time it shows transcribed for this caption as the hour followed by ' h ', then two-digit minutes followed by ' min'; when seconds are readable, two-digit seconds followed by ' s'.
11 h 57 min
